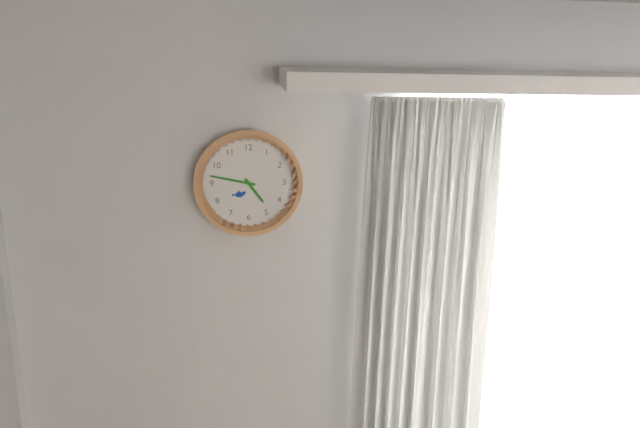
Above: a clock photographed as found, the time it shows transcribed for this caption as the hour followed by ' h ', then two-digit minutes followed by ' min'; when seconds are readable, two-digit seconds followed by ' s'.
4 h 47 min
